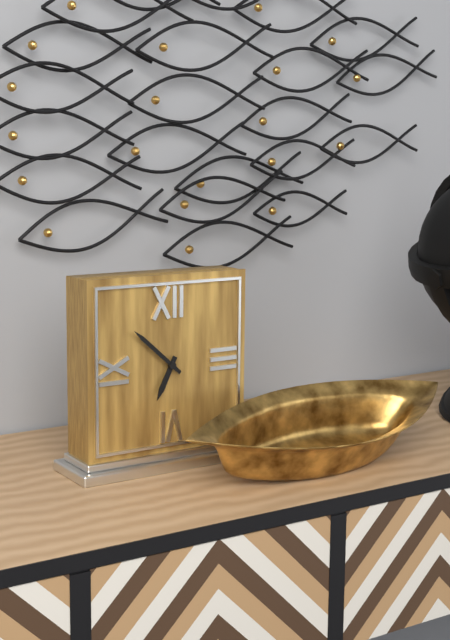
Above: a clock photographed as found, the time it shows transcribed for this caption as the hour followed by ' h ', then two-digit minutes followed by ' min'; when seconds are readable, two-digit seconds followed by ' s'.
6 h 52 min
